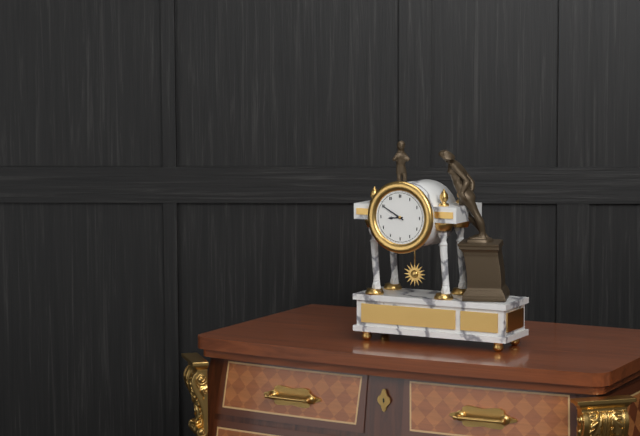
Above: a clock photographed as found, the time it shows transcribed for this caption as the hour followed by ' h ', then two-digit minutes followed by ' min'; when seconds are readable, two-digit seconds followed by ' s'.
8 h 50 min
